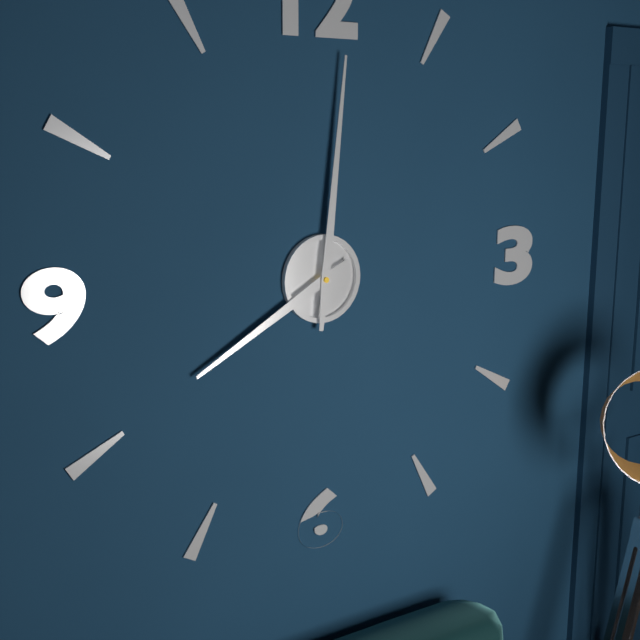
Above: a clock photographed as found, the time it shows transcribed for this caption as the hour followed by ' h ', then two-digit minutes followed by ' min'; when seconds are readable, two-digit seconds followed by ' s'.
8 h 01 min
